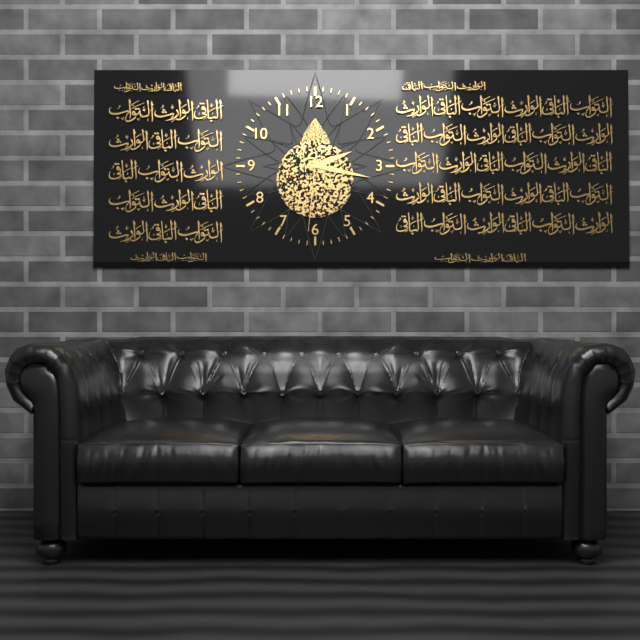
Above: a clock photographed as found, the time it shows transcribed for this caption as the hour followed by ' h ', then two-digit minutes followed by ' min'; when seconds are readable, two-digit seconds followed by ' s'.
2 h 17 min 31 s
